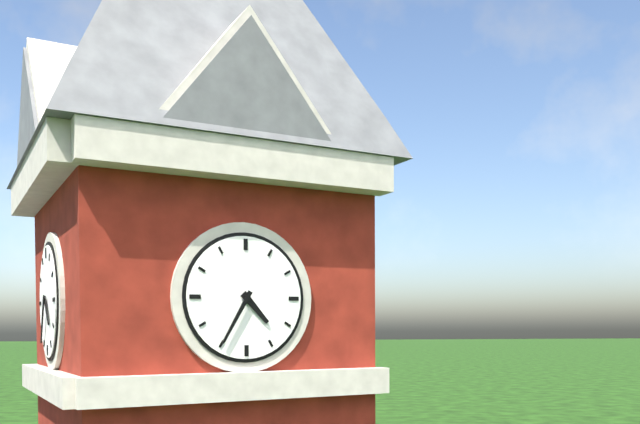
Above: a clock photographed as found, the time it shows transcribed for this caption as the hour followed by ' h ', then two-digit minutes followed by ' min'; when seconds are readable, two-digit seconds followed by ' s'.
4 h 35 min
